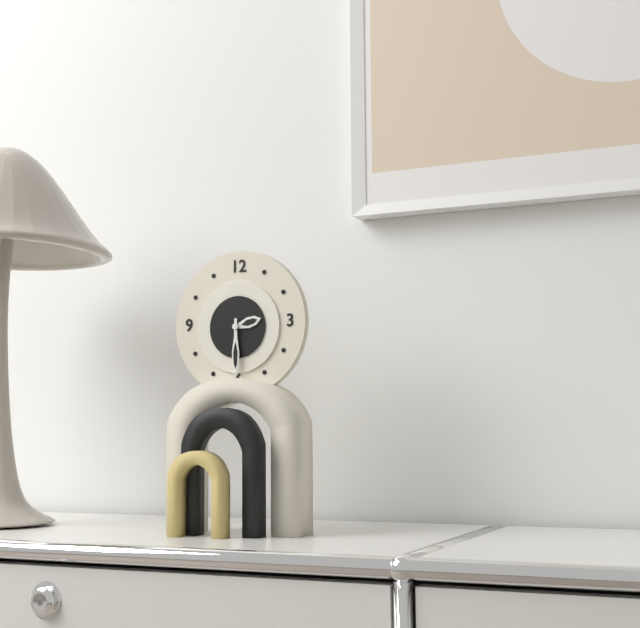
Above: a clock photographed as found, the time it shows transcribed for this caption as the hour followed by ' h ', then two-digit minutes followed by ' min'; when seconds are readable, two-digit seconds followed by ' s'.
2 h 30 min
